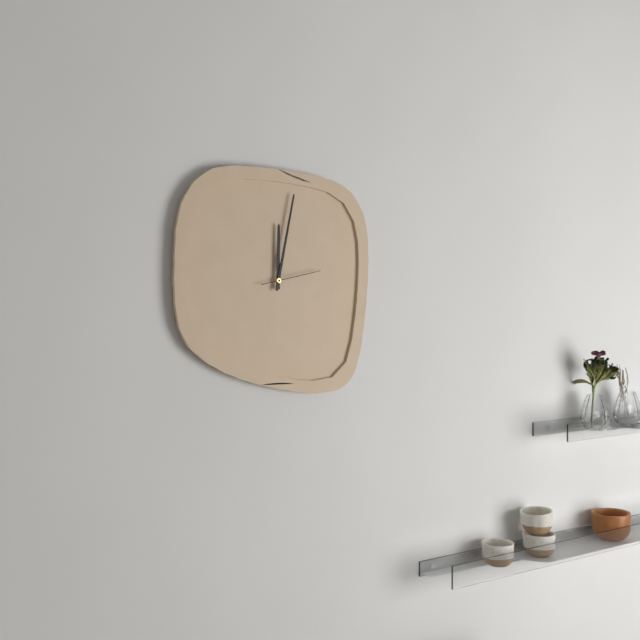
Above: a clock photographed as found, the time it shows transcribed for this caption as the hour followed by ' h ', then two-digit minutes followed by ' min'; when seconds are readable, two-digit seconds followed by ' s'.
12 h 02 min 13 s
